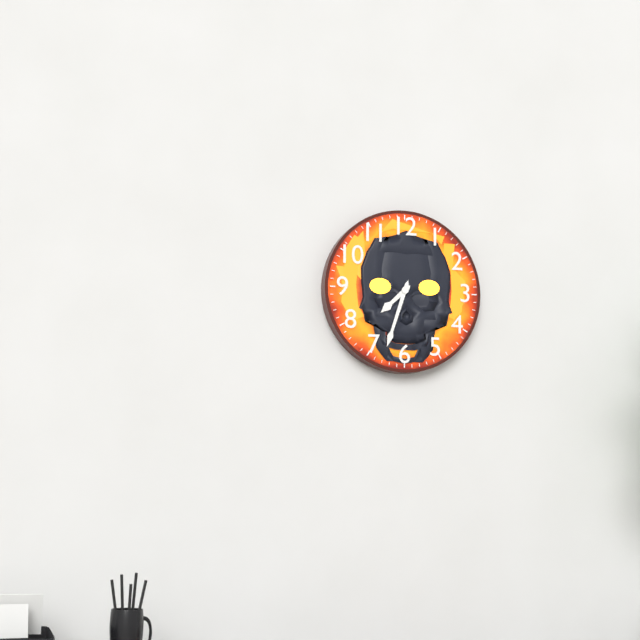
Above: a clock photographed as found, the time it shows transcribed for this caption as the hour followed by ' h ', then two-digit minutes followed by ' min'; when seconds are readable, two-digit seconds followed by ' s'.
7 h 33 min
